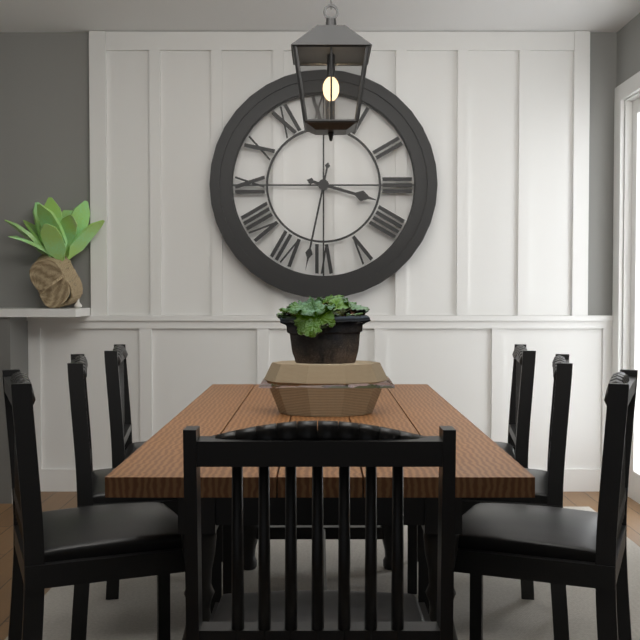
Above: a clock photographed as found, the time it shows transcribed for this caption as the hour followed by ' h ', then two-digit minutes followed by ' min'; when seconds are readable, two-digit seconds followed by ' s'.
3 h 32 min
